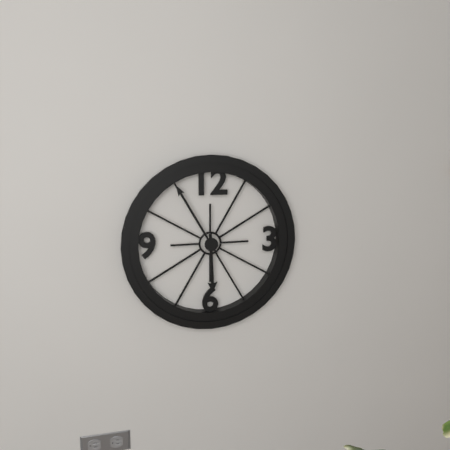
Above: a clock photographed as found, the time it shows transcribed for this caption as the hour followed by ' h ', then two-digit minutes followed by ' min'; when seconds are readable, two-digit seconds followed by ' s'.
5 h 55 min
